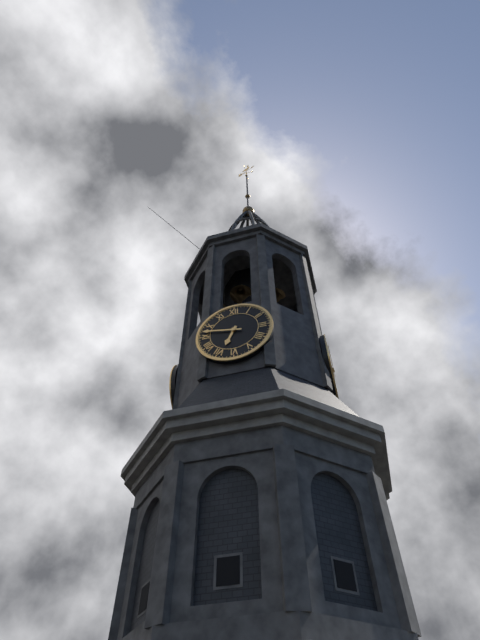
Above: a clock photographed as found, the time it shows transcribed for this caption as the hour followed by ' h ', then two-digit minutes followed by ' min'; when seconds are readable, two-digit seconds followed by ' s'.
6 h 47 min
